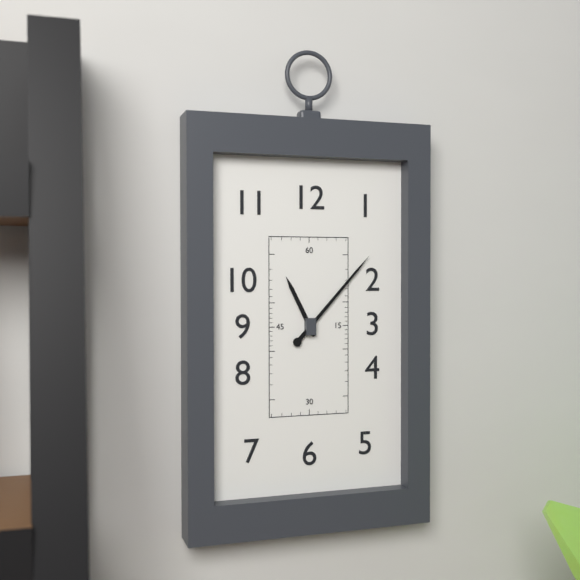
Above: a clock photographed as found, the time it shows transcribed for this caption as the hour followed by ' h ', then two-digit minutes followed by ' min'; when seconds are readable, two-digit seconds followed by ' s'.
11 h 07 min
